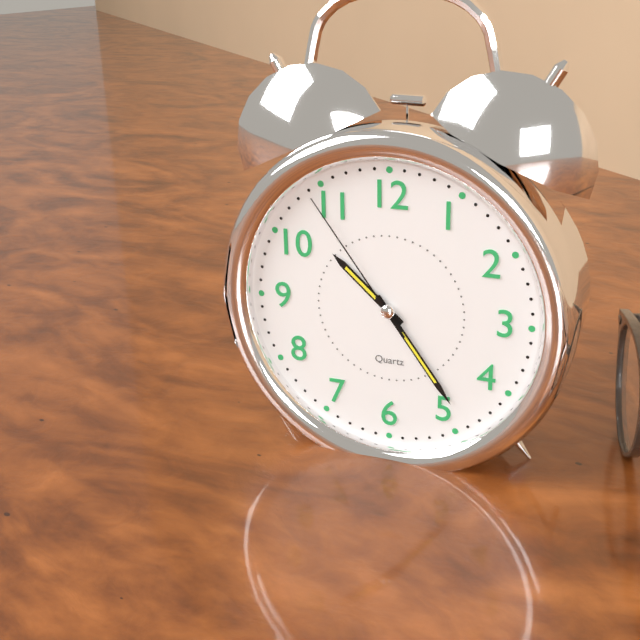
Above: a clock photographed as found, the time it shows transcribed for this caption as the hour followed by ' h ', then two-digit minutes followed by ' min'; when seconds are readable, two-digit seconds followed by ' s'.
10 h 24 min 54 s
